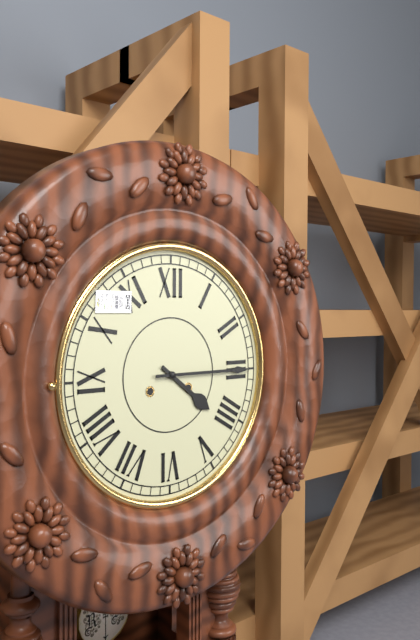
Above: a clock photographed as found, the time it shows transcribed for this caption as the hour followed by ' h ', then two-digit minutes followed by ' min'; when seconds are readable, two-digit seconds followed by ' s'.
4 h 15 min
